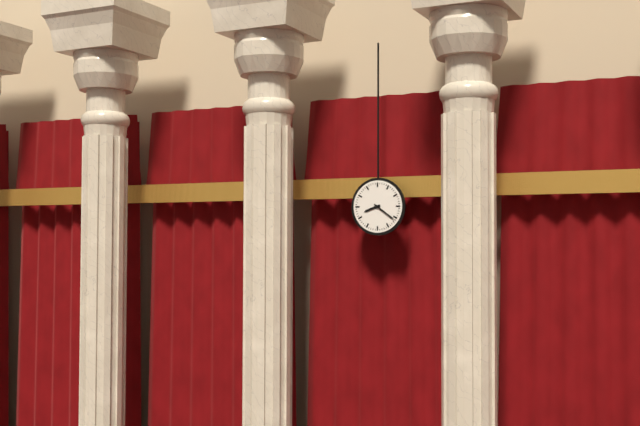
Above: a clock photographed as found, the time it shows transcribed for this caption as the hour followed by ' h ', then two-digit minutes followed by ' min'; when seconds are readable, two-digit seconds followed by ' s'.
8 h 21 min
